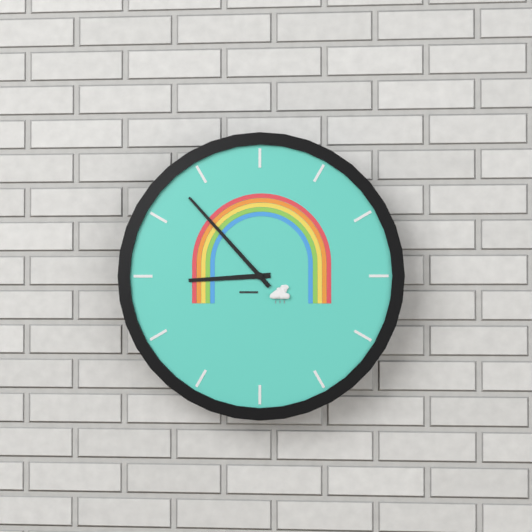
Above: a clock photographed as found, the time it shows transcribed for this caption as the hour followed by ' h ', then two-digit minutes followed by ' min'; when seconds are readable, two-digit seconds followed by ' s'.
8 h 53 min
